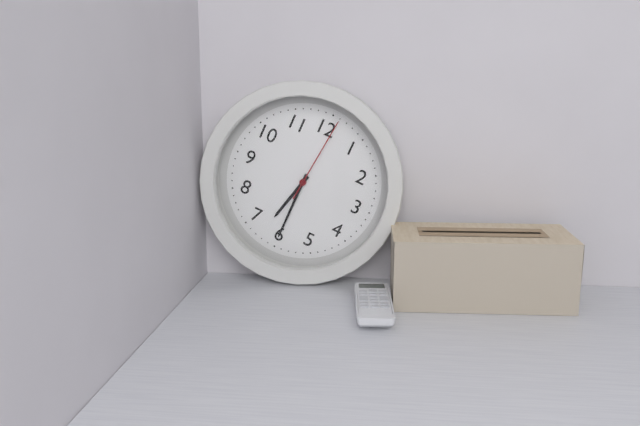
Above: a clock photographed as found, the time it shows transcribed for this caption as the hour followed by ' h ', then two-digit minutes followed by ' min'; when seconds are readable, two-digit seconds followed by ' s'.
6 h 30 min 01 s
